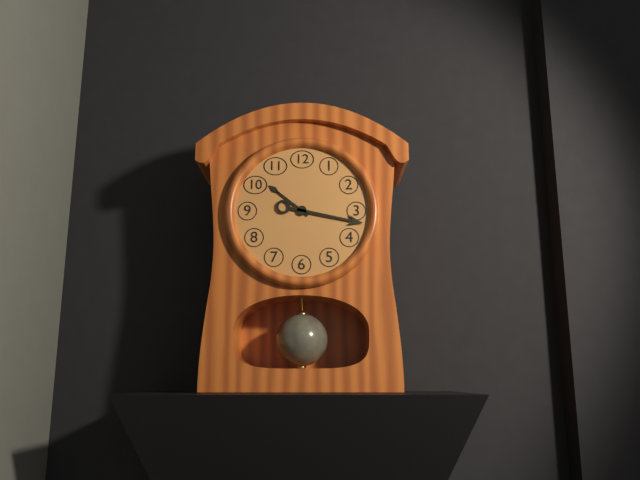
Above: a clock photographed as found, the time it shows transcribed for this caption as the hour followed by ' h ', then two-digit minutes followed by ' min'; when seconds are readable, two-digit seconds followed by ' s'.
10 h 17 min
